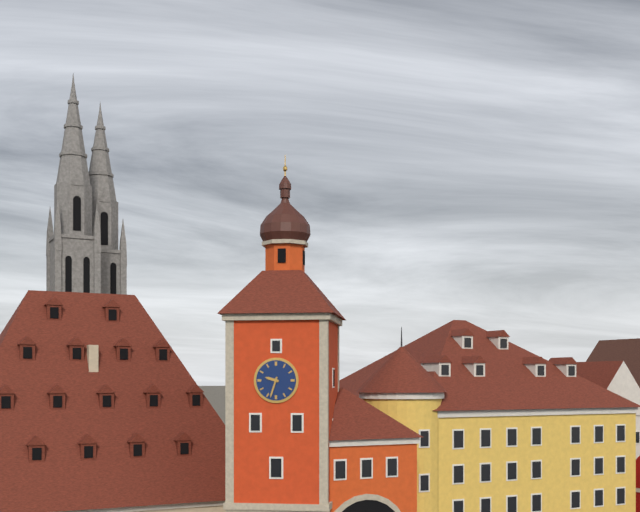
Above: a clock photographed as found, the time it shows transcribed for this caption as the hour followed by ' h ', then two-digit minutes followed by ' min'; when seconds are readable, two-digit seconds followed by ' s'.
9 h 33 min
